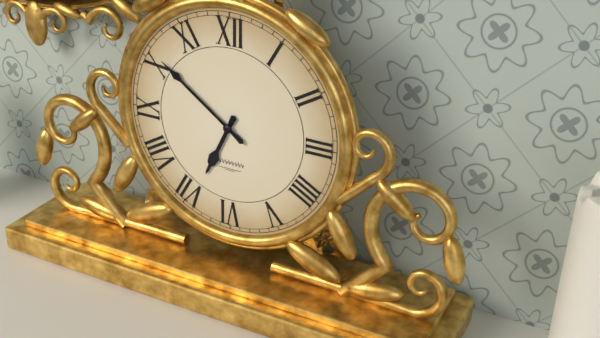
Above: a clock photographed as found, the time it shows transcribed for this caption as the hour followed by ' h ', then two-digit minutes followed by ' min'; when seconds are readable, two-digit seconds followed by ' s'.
6 h 51 min
